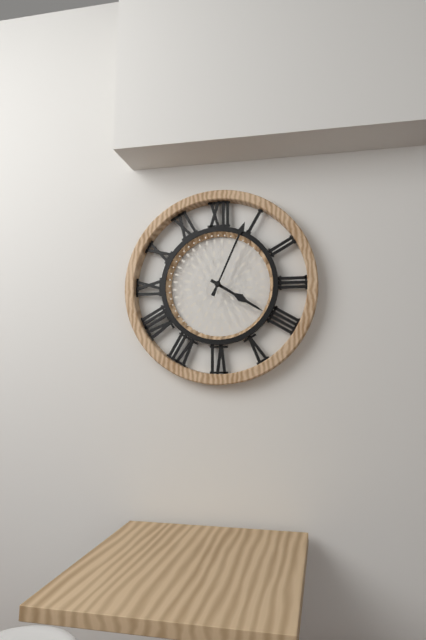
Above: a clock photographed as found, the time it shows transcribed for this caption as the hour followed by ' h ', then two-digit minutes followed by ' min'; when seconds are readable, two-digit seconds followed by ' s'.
4 h 04 min
